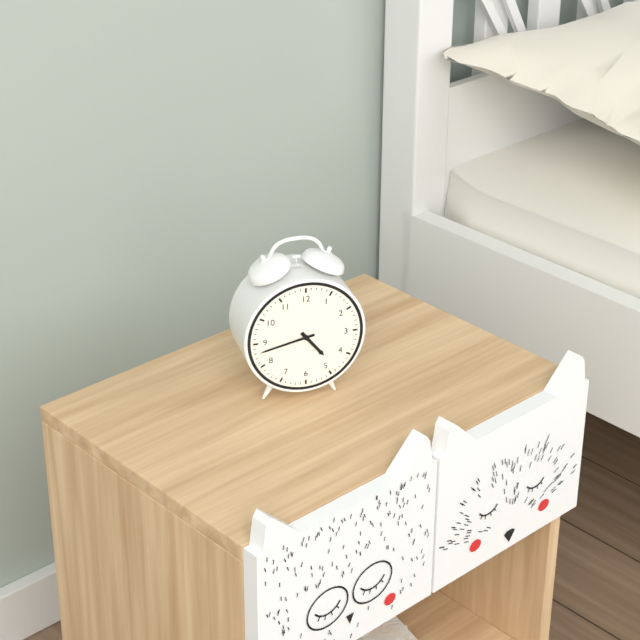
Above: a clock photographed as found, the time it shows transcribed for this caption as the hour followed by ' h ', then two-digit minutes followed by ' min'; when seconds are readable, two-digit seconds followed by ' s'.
4 h 43 min
